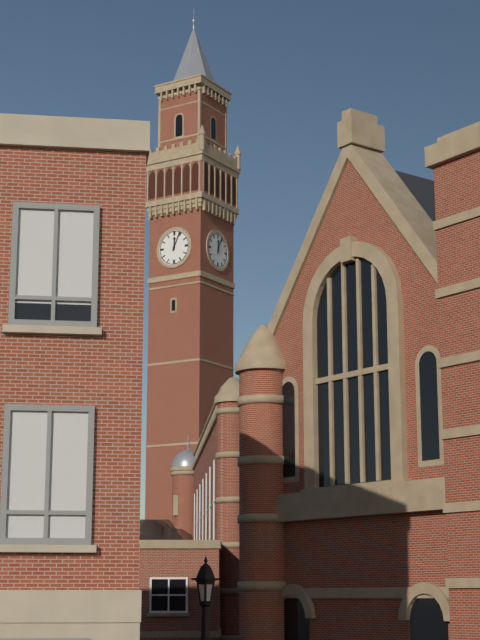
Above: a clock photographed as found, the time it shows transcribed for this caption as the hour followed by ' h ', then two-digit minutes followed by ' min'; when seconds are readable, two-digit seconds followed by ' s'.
12 h 04 min
